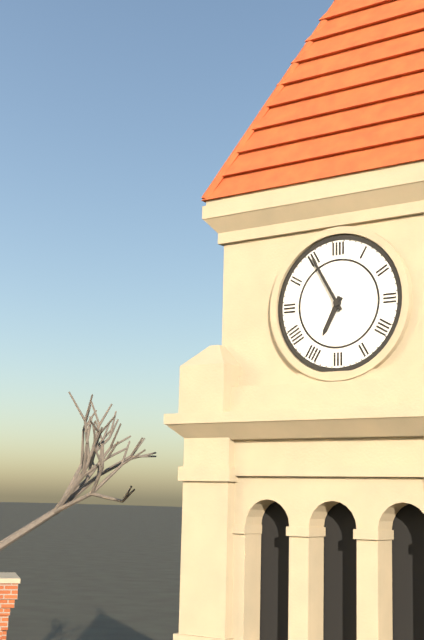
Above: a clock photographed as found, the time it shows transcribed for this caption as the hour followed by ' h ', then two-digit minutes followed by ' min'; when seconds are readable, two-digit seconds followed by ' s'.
6 h 55 min
